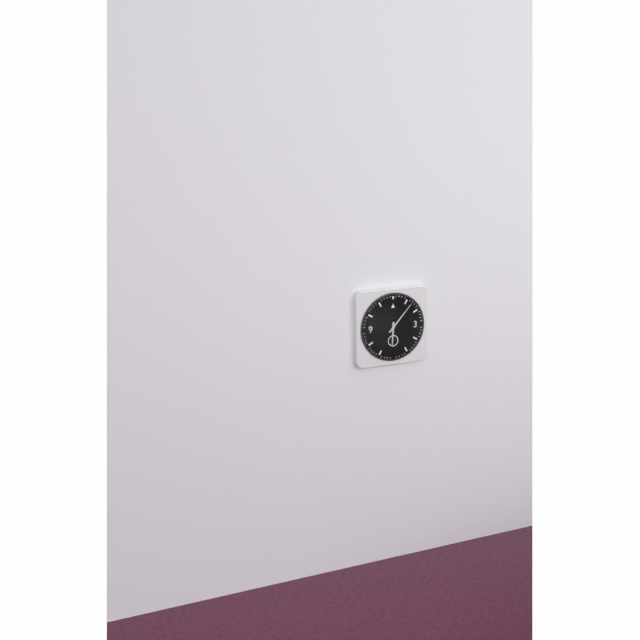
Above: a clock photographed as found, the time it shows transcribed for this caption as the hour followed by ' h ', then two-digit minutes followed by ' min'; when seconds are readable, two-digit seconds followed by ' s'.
6 h 07 min
